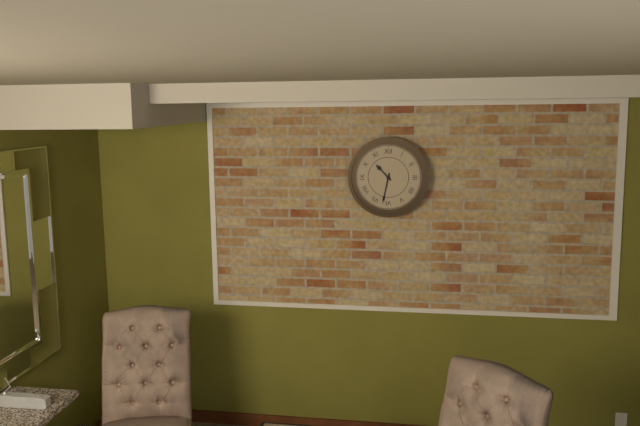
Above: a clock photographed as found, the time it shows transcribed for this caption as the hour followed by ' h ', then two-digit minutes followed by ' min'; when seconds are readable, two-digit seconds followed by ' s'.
10 h 32 min
